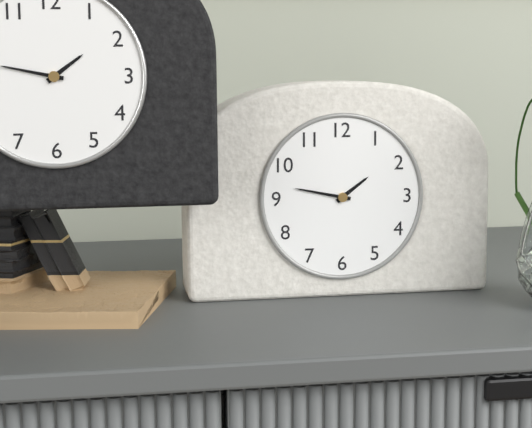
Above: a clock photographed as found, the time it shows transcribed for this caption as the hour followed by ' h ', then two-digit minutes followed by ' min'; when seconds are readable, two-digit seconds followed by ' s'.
1 h 47 min
